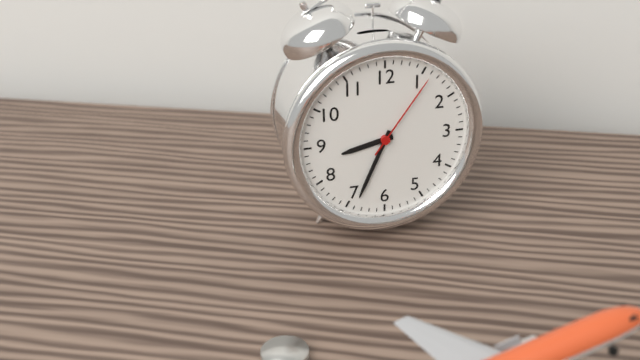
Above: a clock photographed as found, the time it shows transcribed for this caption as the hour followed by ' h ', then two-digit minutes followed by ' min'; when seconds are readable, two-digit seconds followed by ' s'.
8 h 34 min 06 s
